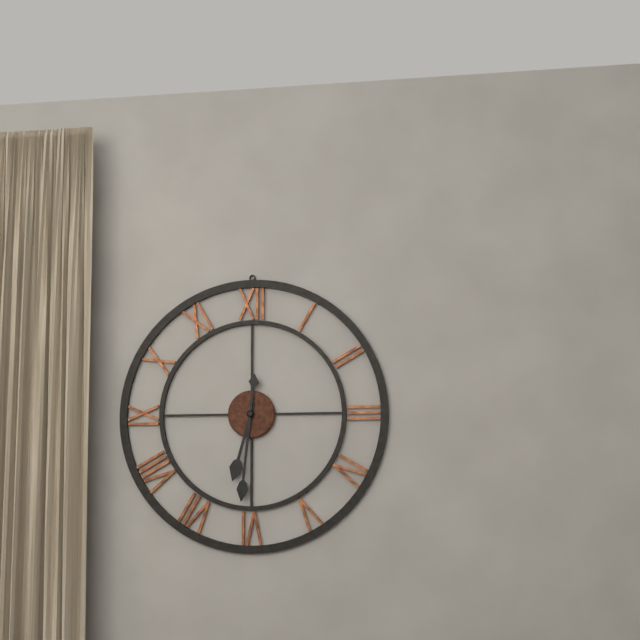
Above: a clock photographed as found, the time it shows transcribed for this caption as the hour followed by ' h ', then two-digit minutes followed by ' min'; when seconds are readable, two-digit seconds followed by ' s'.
6 h 31 min
